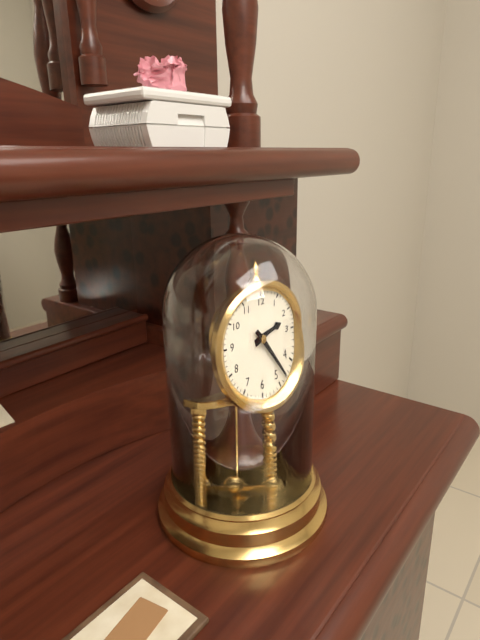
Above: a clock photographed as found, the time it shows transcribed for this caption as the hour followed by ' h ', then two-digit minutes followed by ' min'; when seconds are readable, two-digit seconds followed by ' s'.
2 h 23 min
